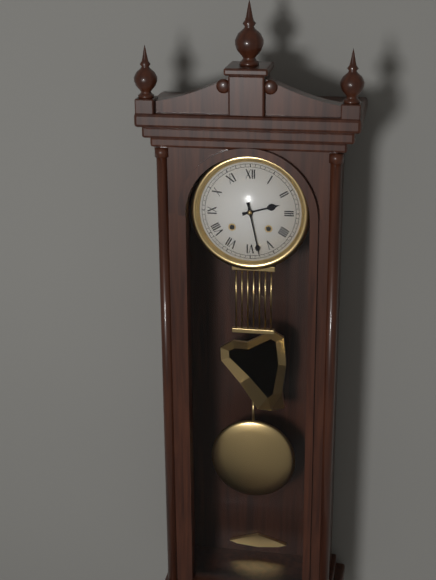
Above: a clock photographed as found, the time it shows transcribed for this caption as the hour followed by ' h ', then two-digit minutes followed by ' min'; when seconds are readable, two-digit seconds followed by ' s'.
2 h 28 min
